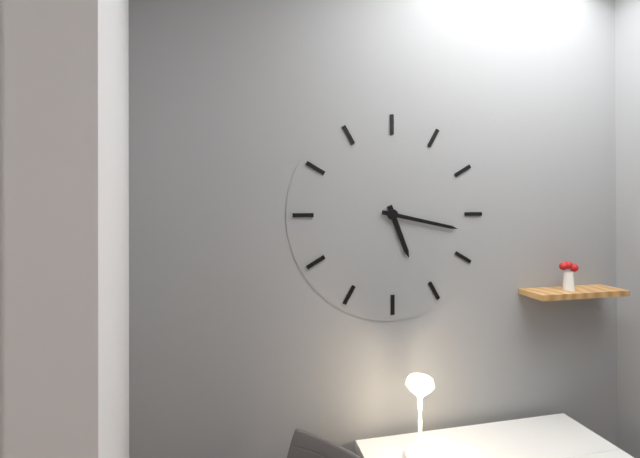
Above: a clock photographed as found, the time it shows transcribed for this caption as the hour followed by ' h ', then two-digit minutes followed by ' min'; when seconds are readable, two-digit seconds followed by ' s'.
5 h 17 min
